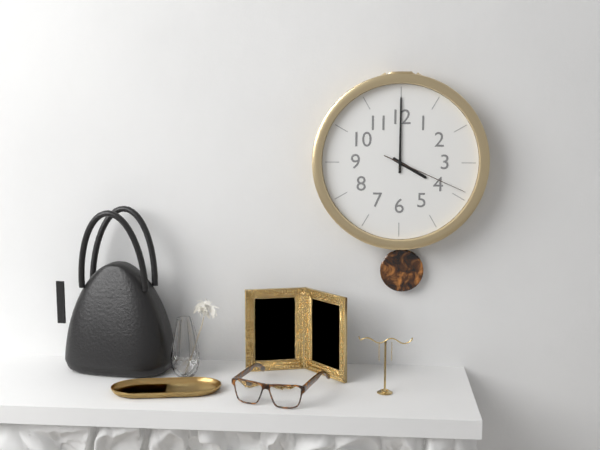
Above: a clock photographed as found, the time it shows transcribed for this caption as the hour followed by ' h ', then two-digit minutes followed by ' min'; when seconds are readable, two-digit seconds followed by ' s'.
4 h 00 min 19 s
